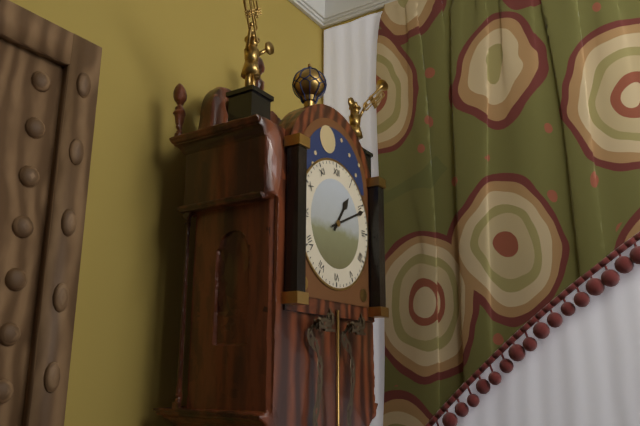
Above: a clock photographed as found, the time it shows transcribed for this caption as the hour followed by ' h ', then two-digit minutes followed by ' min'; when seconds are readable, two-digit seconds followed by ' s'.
1 h 11 min
